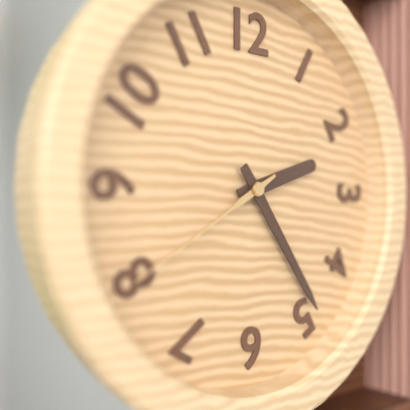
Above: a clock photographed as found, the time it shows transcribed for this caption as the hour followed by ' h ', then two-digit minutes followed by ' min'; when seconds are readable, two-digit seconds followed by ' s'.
2 h 24 min 40 s
